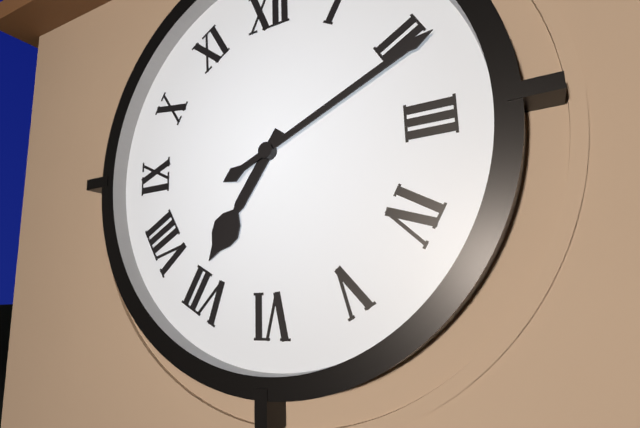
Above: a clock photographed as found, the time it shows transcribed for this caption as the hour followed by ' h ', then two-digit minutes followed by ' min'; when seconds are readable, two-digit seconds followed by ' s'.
7 h 11 min
